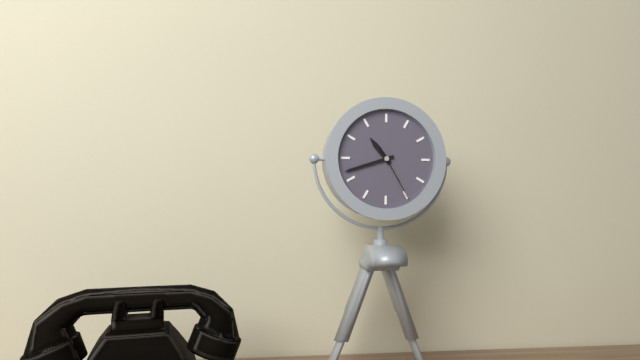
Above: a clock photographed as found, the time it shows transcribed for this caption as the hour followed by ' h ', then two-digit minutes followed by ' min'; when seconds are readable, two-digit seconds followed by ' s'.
10 h 42 min 25 s
